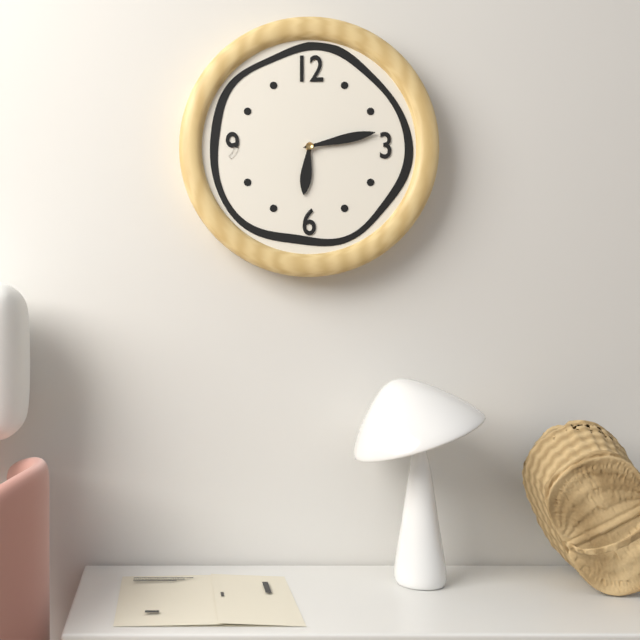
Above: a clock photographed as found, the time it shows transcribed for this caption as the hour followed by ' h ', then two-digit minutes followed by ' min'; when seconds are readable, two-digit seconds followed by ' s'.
6 h 13 min
